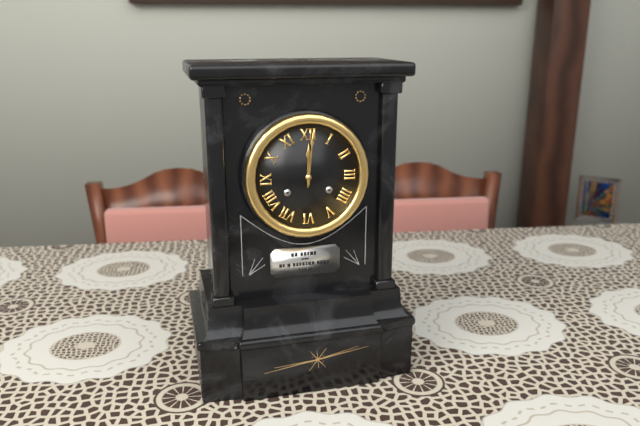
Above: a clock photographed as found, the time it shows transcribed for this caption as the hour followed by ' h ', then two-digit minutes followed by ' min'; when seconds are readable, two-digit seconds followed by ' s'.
12 h 01 min
